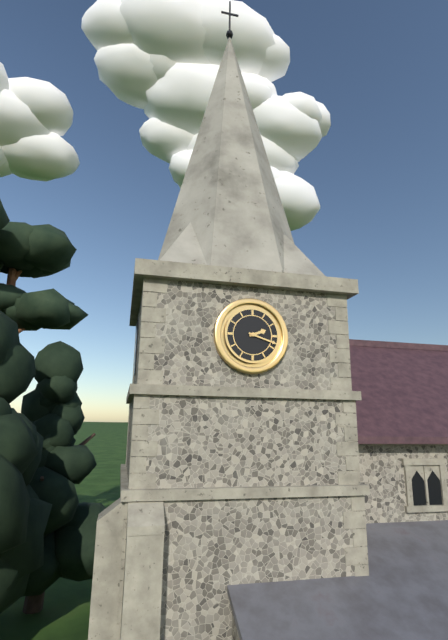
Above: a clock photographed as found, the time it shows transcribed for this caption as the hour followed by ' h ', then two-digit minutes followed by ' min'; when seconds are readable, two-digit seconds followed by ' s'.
2 h 18 min
